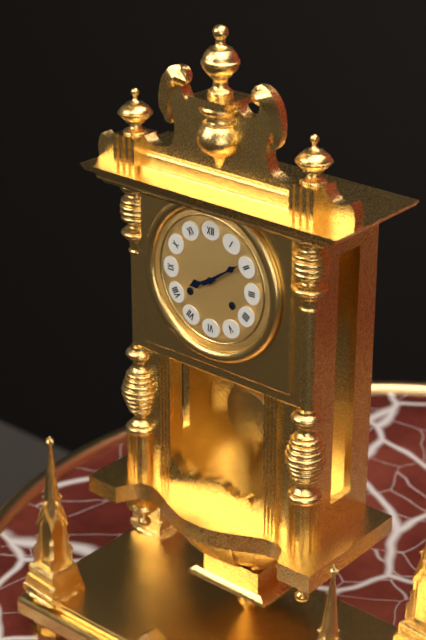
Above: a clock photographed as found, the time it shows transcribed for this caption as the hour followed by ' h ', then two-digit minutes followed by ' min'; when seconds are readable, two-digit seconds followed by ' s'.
8 h 09 min
